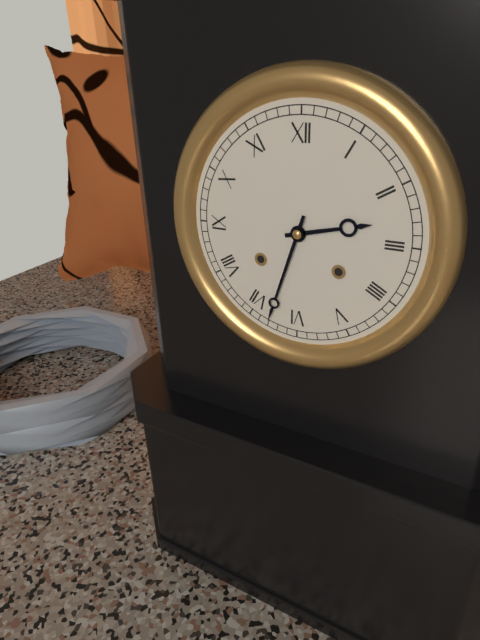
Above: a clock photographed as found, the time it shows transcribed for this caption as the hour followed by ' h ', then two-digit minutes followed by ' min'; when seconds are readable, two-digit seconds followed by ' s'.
2 h 33 min
